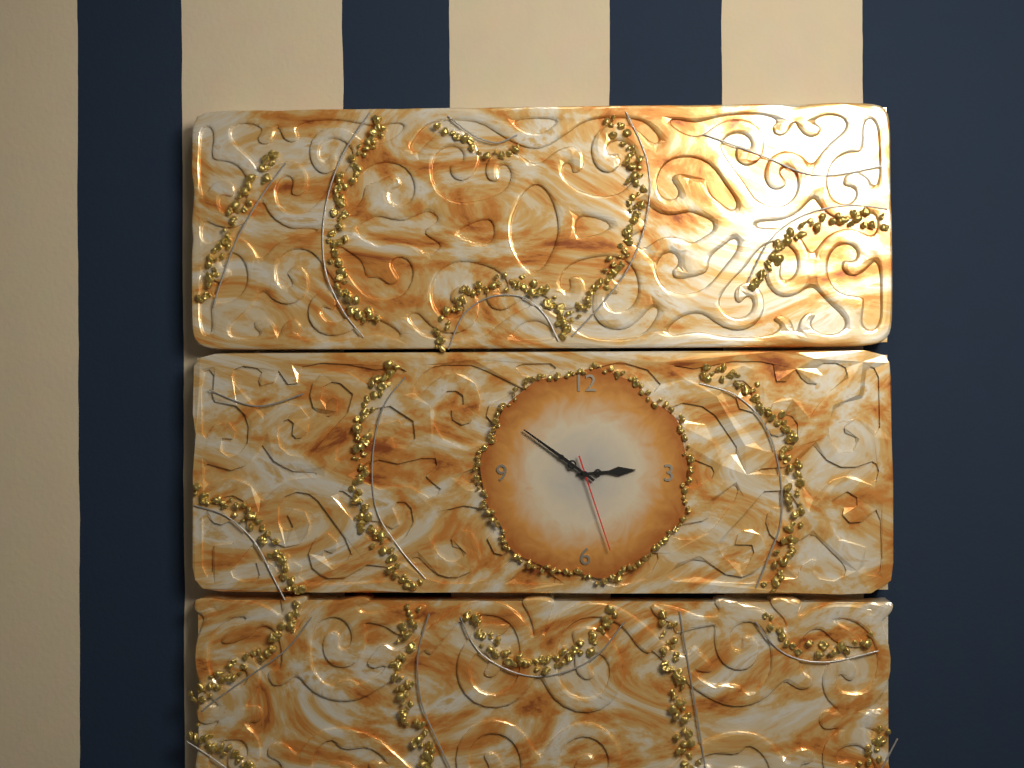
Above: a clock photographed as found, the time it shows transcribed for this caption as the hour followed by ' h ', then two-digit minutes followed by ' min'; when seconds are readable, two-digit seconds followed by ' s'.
2 h 51 min 27 s
